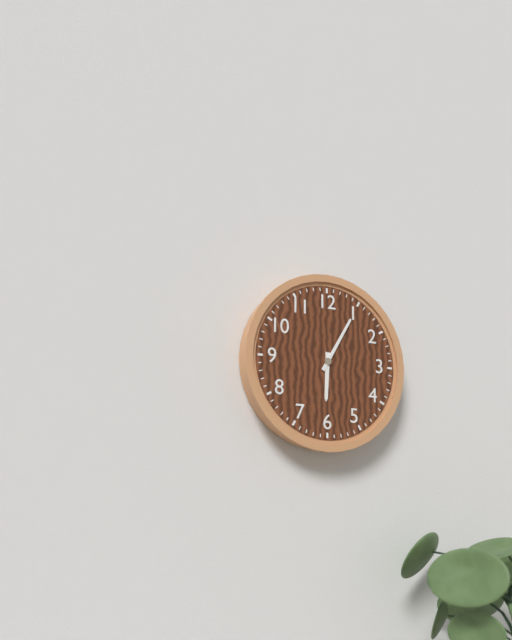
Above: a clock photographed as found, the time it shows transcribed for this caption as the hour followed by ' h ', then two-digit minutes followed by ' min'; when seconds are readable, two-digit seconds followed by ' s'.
6 h 05 min
